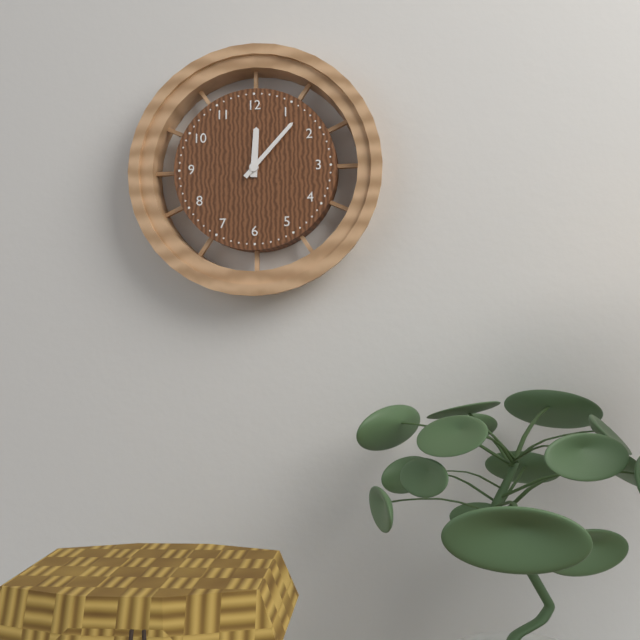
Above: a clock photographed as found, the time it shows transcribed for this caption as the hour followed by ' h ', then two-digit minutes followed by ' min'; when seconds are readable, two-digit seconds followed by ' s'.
12 h 07 min
